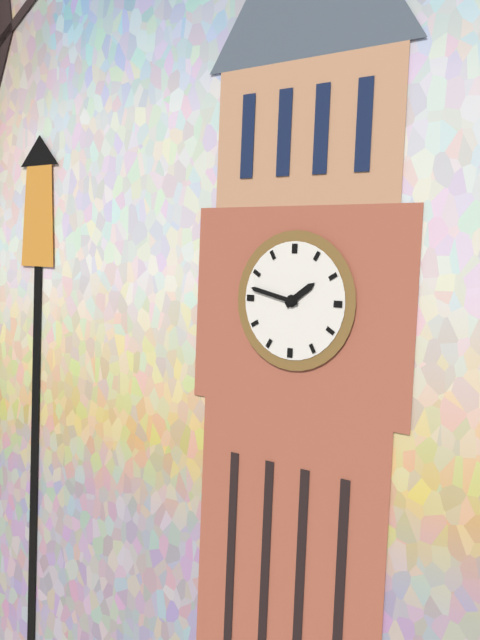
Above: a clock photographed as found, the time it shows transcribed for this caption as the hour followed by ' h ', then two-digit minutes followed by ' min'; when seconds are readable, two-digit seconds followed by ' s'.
1 h 47 min
